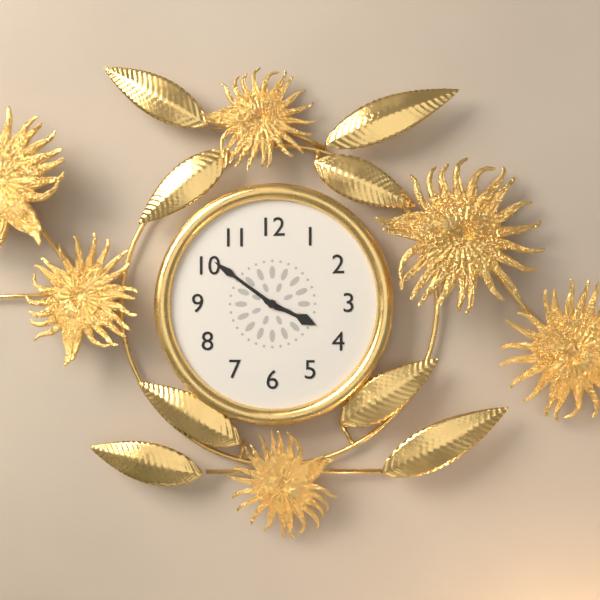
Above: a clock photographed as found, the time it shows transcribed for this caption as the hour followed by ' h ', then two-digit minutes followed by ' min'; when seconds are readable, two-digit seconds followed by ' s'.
3 h 51 min
